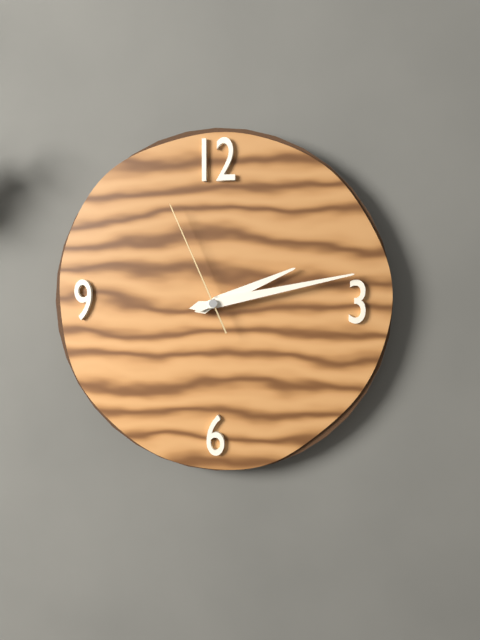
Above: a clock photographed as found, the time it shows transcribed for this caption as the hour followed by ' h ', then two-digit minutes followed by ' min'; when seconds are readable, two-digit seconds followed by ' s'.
2 h 13 min 56 s
